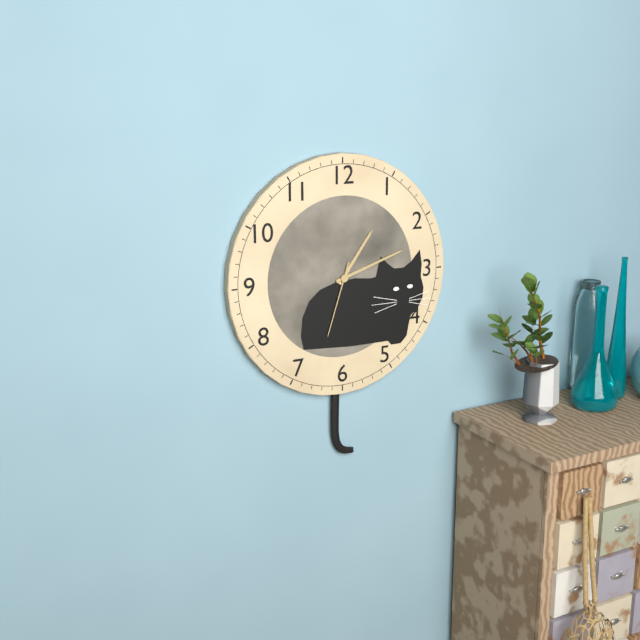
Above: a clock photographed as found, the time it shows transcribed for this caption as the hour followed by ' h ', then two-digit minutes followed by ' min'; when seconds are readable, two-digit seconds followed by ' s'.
1 h 12 min 33 s
